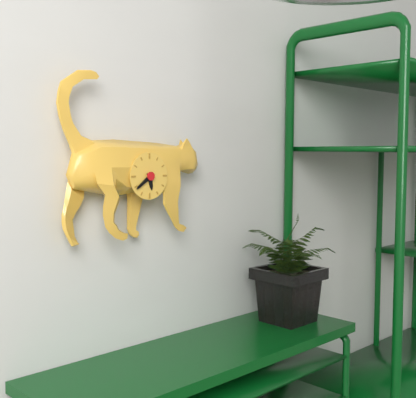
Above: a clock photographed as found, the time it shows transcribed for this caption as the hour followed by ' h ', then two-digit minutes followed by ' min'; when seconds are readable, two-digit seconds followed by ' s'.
5 h 39 min
